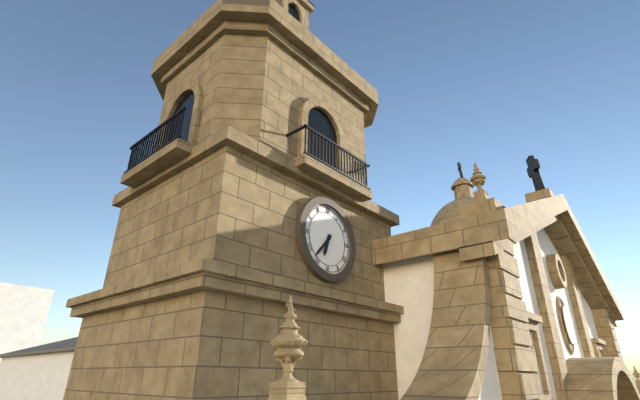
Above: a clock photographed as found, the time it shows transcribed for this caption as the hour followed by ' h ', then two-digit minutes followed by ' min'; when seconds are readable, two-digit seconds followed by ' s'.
6 h 37 min
